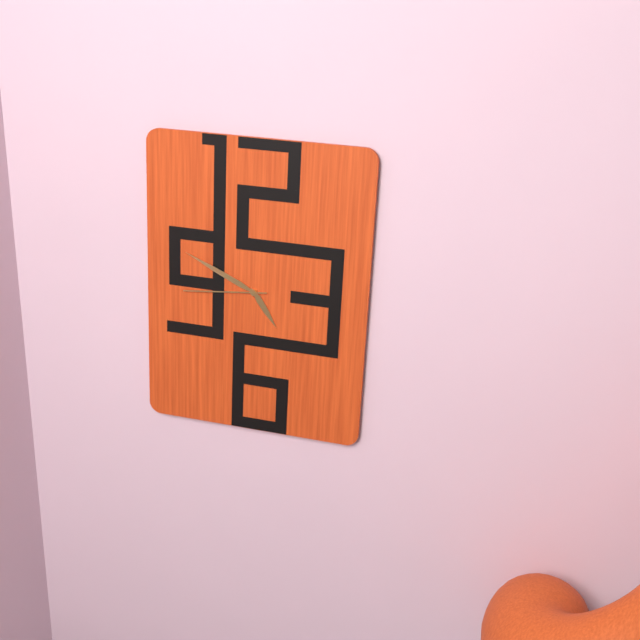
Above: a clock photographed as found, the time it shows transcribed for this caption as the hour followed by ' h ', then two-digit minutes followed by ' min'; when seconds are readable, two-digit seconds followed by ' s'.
4 h 49 min 44 s
